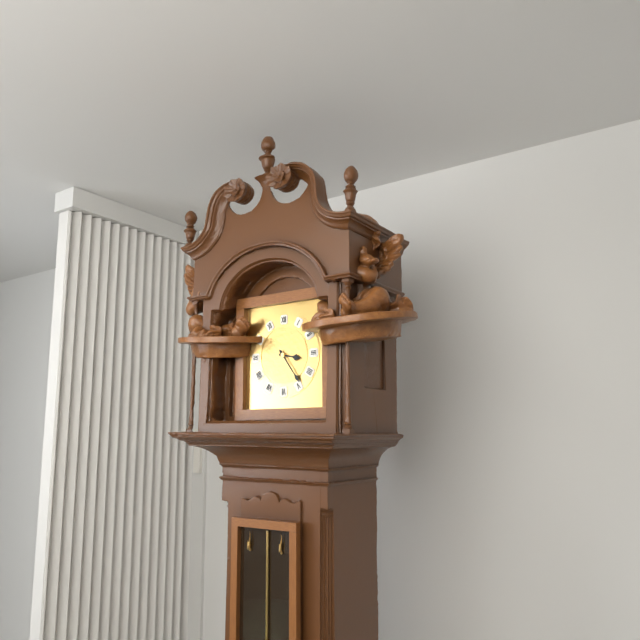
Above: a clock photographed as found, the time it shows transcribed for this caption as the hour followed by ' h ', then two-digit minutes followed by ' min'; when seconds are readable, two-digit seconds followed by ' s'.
3 h 24 min
